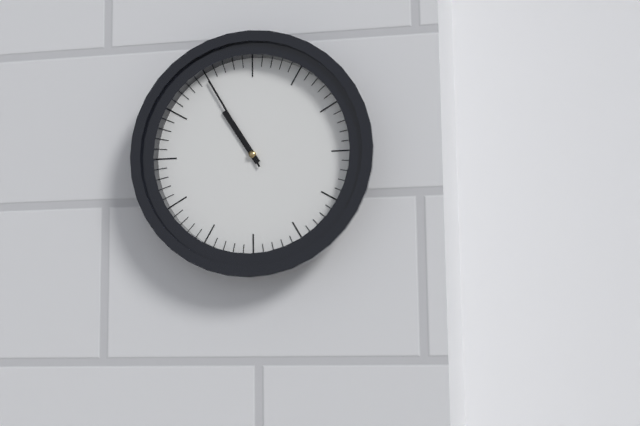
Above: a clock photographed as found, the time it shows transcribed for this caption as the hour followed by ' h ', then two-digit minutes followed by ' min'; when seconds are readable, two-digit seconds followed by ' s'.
10 h 55 min
